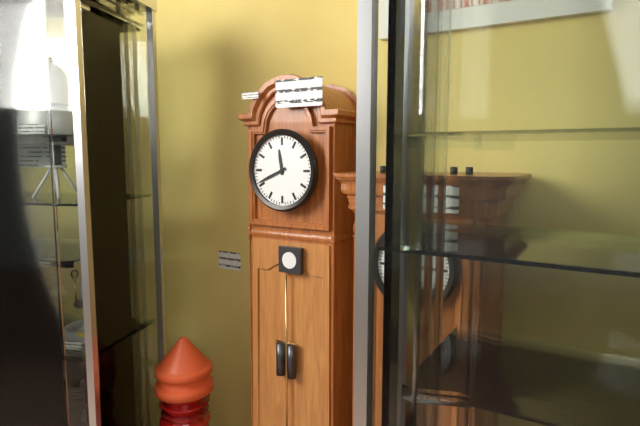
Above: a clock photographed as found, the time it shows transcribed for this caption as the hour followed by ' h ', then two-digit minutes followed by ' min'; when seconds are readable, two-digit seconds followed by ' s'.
11 h 41 min
